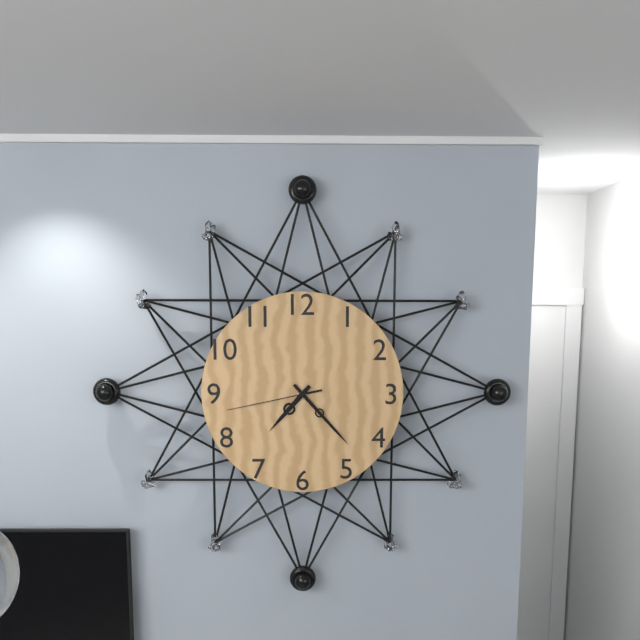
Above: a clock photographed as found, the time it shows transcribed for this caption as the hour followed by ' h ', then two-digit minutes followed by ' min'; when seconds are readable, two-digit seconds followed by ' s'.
7 h 23 min 43 s
